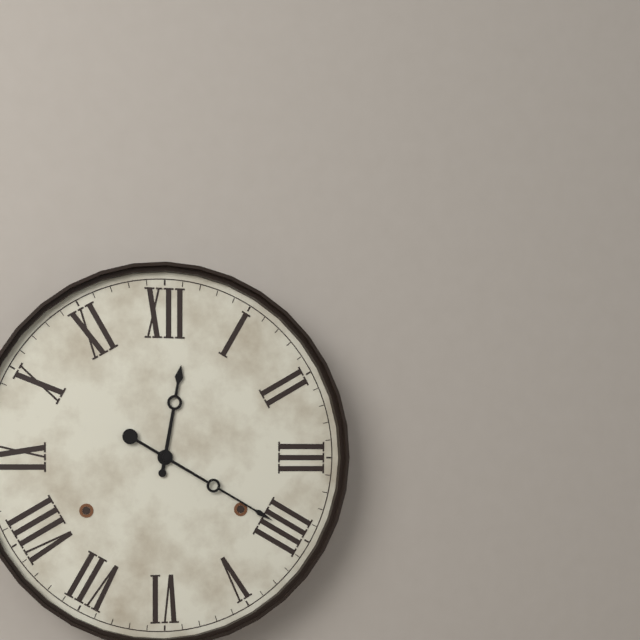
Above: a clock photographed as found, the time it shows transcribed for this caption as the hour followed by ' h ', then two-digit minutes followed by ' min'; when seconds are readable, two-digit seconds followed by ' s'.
12 h 20 min
